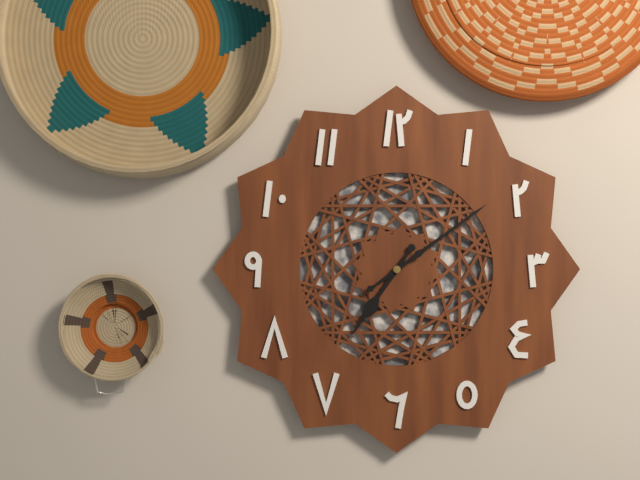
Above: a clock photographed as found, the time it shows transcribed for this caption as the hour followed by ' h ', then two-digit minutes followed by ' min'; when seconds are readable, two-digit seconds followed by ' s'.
7 h 09 min
